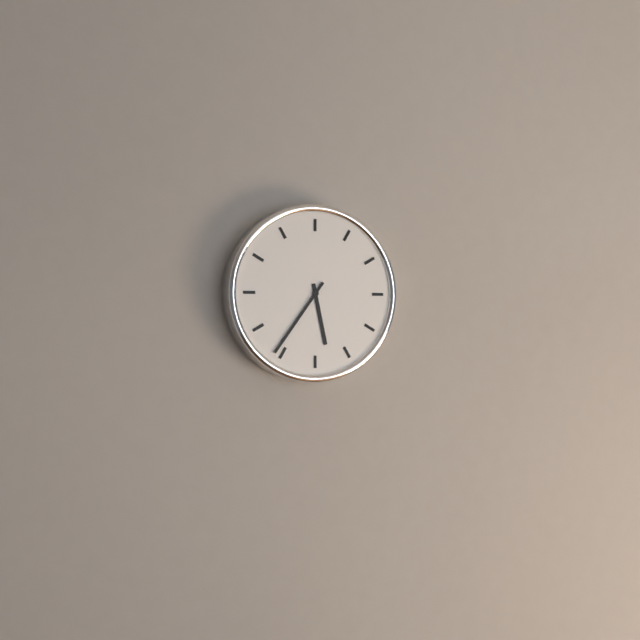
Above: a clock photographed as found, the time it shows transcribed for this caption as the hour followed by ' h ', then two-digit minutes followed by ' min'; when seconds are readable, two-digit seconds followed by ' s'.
5 h 36 min
